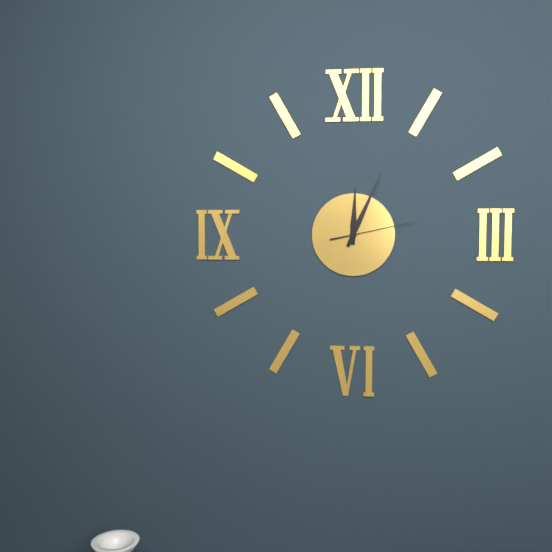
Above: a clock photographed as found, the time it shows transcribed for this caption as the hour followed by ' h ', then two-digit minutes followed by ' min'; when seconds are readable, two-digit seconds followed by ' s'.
12 h 04 min 13 s
